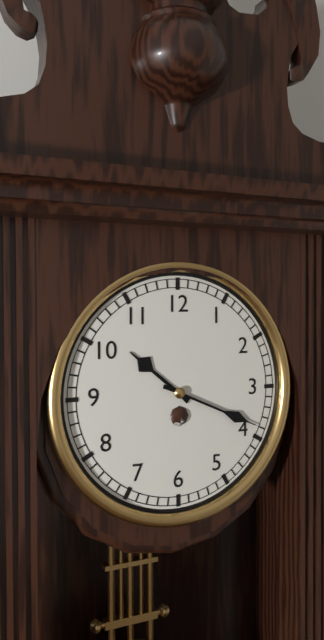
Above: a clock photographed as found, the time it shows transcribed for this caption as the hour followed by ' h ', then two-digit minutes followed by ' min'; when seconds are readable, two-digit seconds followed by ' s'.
10 h 19 min
